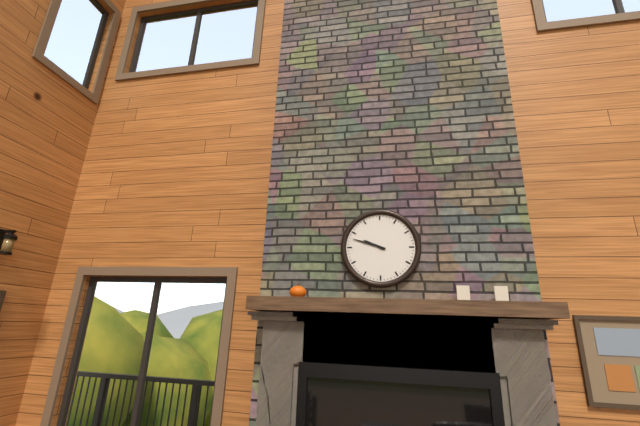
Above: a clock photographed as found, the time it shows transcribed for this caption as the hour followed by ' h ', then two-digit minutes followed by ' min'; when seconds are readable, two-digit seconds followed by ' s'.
9 h 48 min
